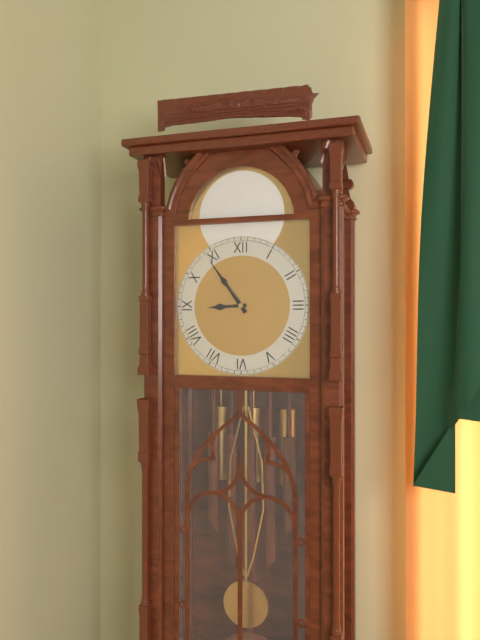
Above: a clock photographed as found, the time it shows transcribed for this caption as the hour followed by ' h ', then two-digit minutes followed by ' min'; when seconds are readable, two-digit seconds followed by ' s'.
8 h 54 min
